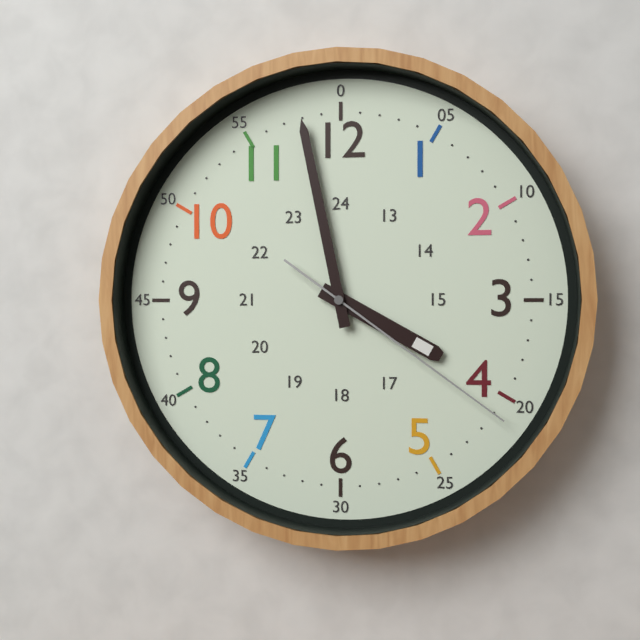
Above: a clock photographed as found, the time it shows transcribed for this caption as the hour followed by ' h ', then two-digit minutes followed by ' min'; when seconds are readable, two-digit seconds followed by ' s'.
3 h 58 min 21 s
